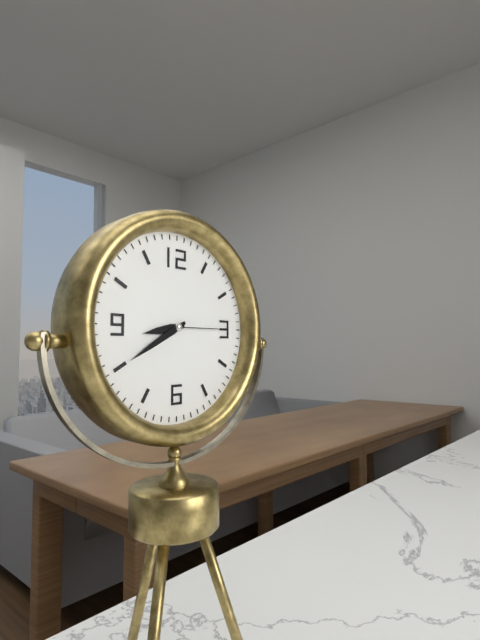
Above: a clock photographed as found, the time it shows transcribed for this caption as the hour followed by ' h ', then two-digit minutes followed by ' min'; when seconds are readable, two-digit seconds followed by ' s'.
8 h 40 min 15 s
